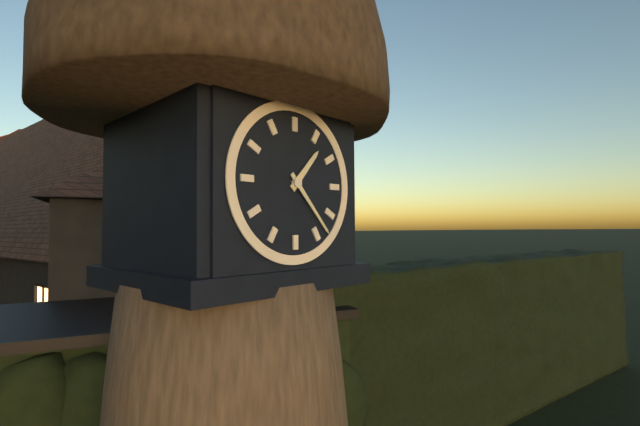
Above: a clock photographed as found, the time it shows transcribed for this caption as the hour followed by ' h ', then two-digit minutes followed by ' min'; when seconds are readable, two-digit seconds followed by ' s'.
1 h 23 min
